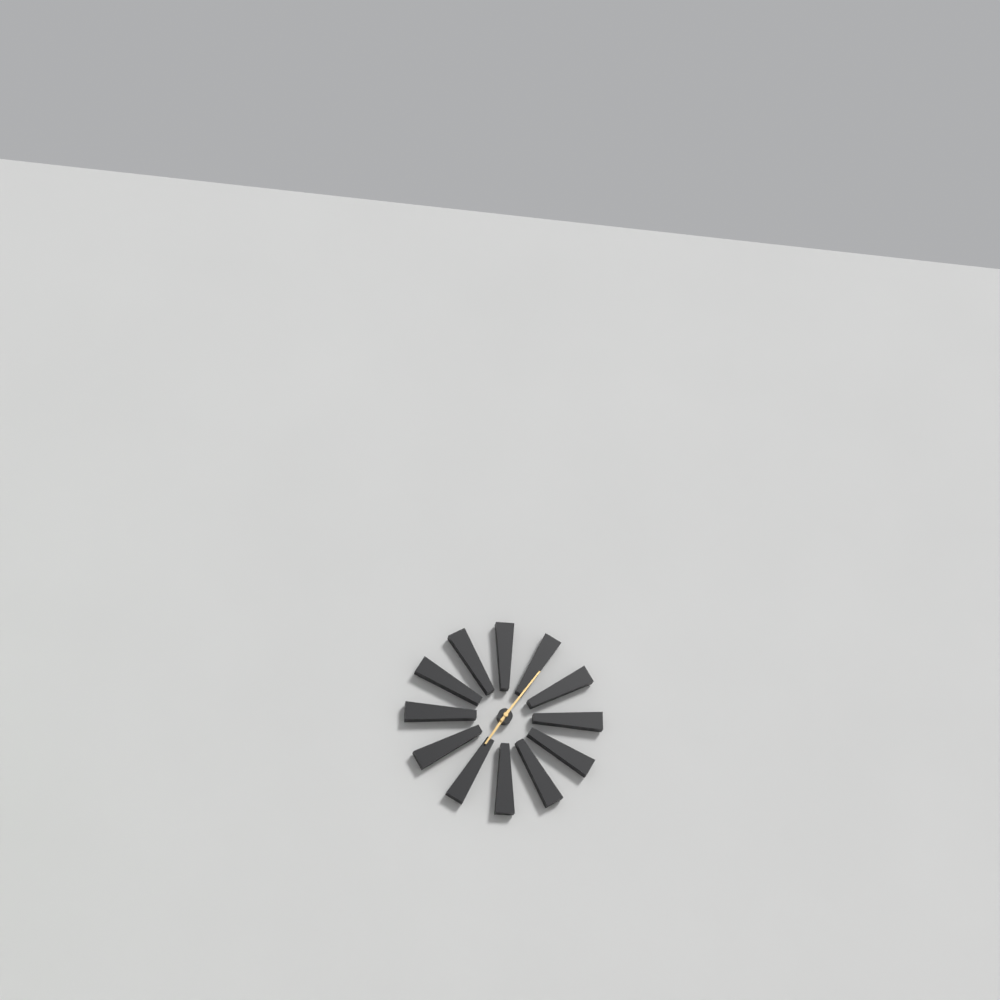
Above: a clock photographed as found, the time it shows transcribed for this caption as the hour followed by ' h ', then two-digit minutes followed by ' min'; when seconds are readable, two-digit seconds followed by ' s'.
7 h 06 min
